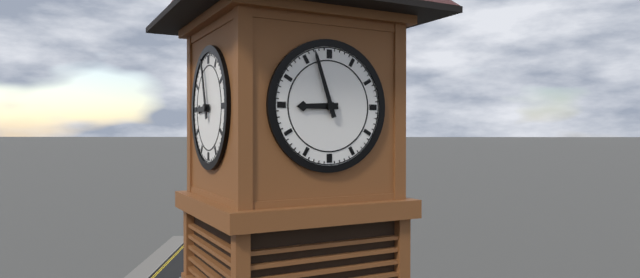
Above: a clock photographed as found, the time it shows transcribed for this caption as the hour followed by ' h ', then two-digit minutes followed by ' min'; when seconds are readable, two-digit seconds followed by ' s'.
8 h 57 min
